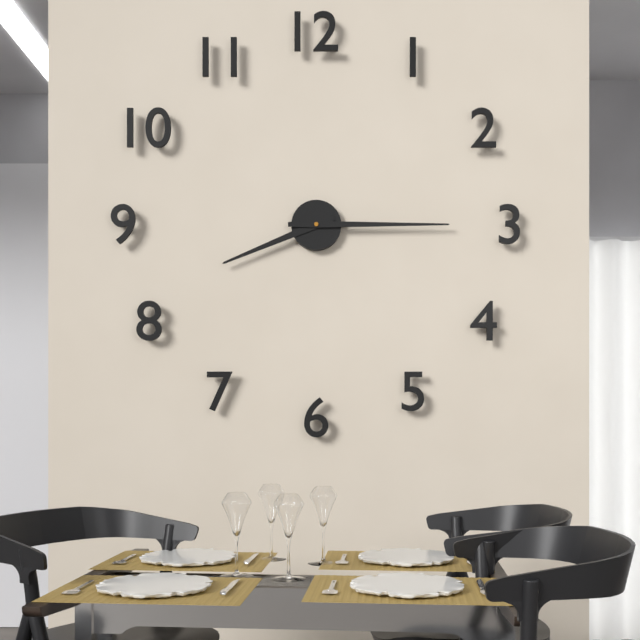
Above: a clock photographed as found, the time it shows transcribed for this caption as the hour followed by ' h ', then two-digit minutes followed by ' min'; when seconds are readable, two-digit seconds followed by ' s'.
8 h 15 min
